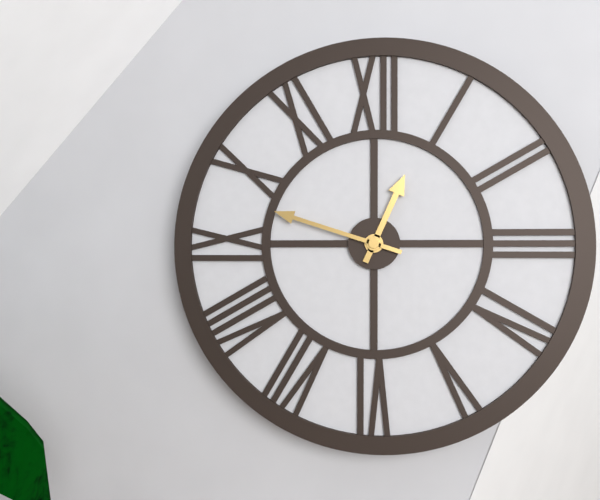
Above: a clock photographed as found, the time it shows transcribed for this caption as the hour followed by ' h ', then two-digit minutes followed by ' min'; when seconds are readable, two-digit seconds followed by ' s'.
12 h 48 min
